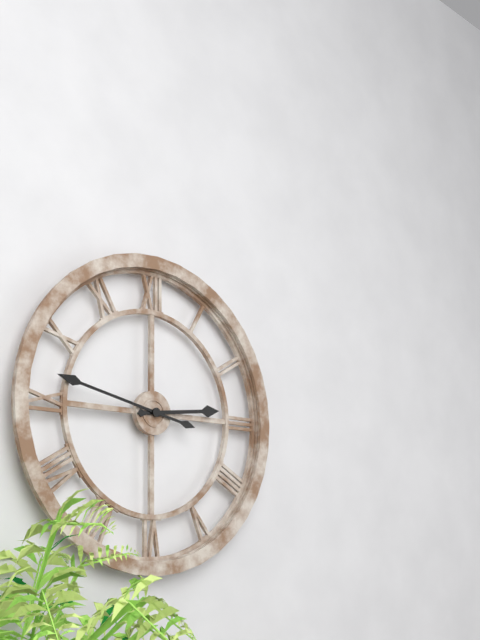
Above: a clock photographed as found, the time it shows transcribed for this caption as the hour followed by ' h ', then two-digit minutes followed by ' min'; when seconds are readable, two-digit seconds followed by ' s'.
2 h 47 min
